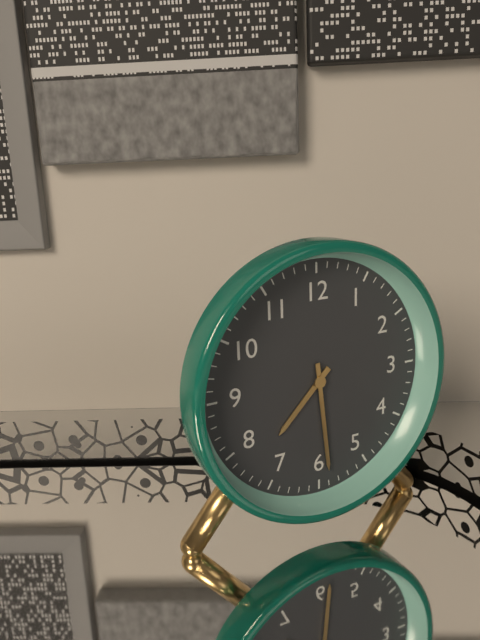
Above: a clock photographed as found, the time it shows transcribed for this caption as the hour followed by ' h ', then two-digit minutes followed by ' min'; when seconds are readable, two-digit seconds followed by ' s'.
7 h 29 min
